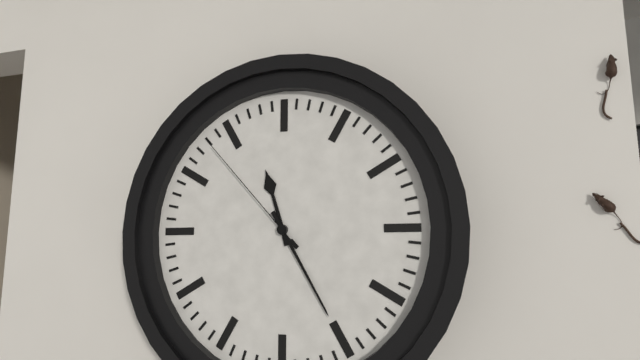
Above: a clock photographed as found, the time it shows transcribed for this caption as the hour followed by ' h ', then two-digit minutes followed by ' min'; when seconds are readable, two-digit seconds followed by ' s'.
11 h 25 min 53 s
